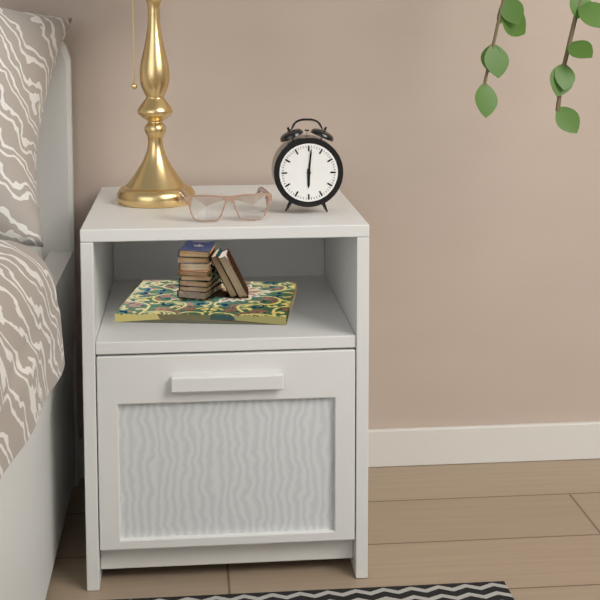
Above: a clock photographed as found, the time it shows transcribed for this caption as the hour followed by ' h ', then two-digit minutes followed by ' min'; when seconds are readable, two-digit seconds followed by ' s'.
6 h 01 min
